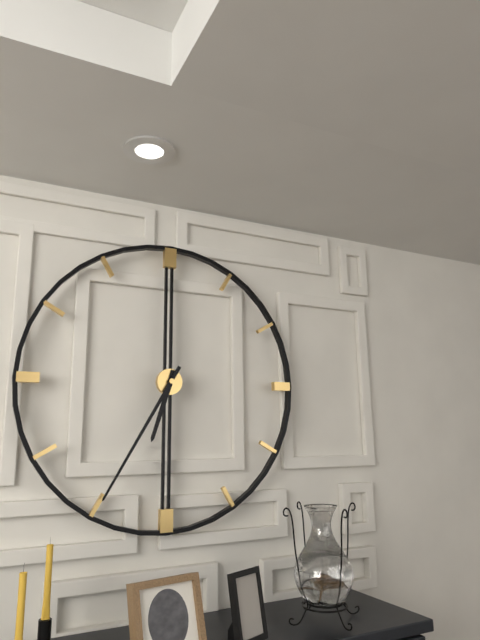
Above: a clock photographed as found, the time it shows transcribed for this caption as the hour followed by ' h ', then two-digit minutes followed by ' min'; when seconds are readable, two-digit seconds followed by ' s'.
6 h 35 min
